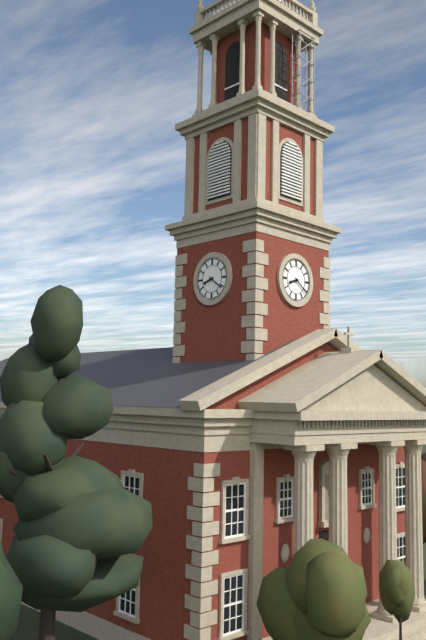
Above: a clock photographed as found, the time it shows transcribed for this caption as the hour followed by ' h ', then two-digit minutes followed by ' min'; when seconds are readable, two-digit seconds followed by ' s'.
8 h 21 min
